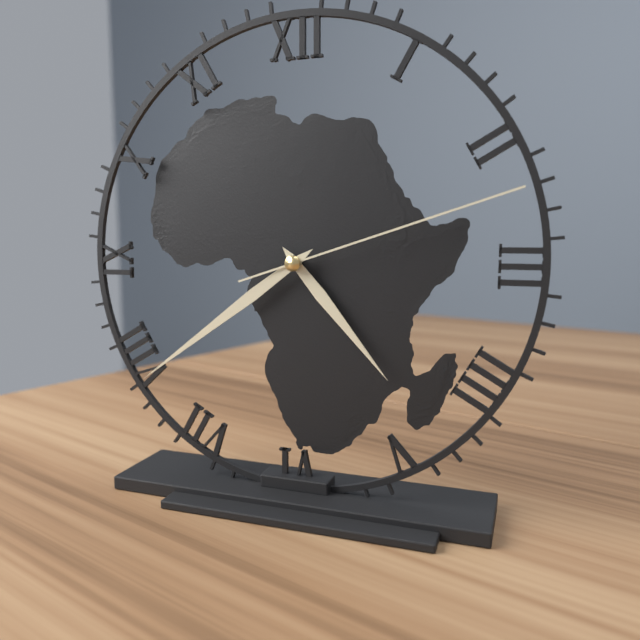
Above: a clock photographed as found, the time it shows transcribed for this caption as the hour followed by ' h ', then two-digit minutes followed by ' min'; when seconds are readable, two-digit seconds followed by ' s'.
4 h 39 min 12 s
